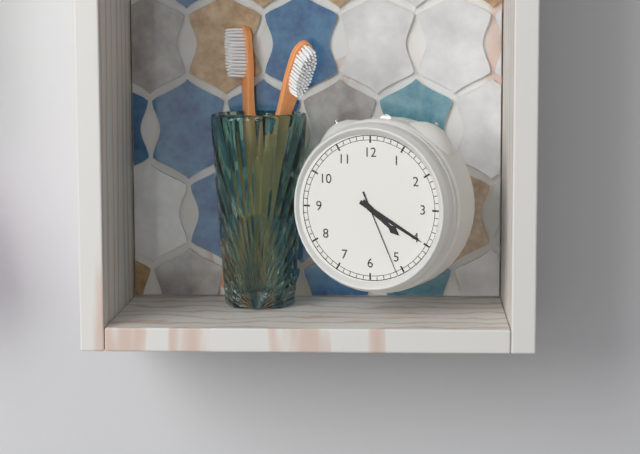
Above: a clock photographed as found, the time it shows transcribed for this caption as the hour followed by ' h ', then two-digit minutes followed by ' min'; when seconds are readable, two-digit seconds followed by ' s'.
4 h 20 min 26 s
